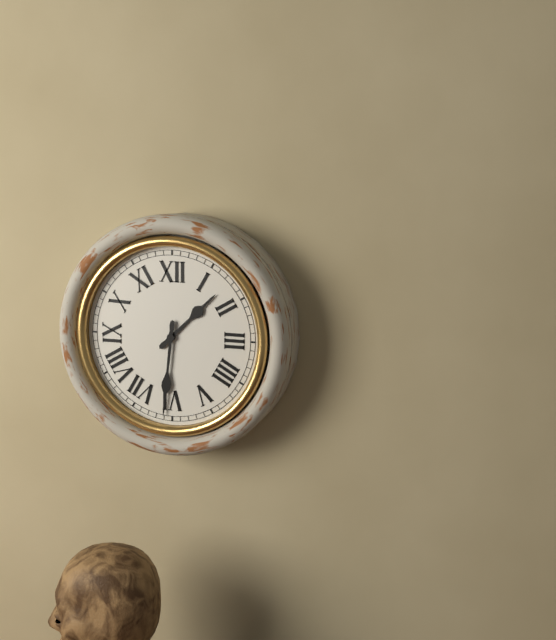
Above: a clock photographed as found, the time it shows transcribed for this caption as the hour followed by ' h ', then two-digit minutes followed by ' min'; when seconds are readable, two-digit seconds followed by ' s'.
1 h 31 min
